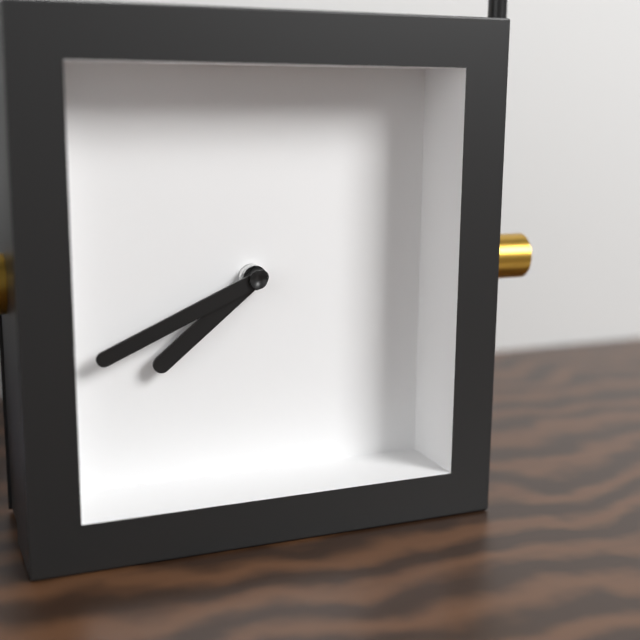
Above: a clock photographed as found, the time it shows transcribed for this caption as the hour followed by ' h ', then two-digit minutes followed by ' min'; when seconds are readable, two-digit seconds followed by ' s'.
7 h 41 min
